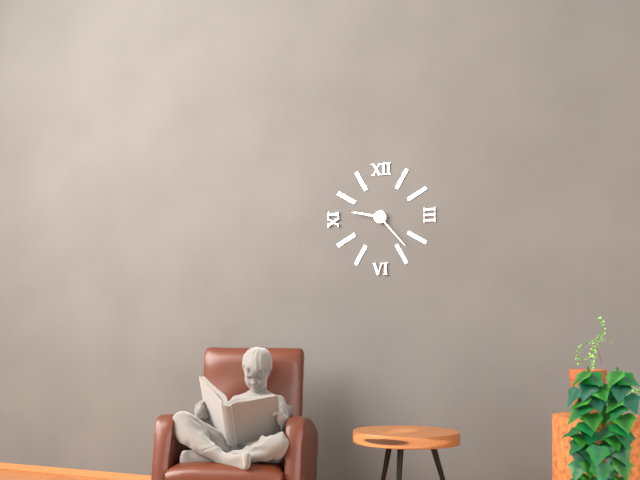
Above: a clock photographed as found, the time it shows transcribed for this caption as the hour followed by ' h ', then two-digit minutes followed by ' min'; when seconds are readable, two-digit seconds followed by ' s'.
9 h 23 min
